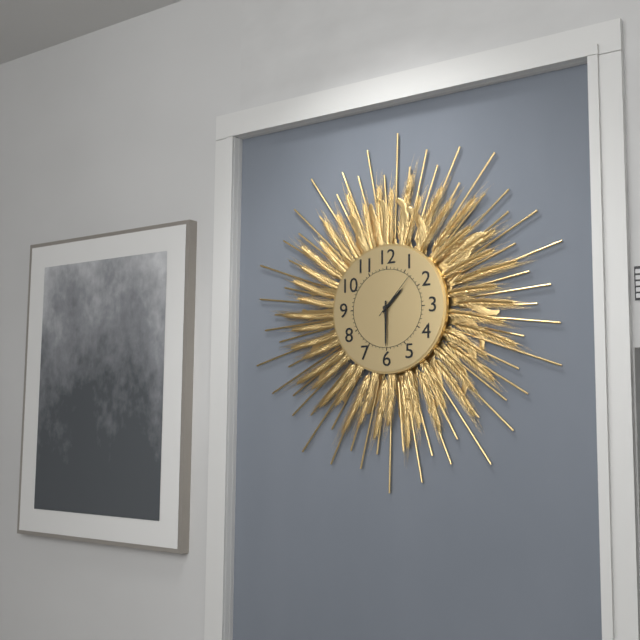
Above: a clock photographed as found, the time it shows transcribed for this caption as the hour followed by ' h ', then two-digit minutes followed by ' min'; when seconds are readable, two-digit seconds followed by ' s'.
1 h 30 min 07 s
